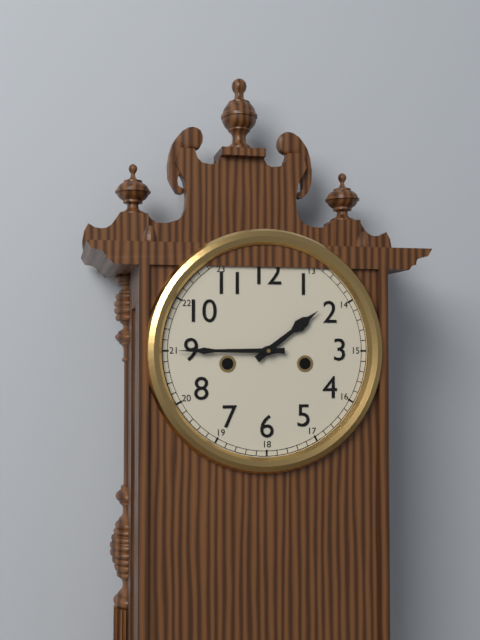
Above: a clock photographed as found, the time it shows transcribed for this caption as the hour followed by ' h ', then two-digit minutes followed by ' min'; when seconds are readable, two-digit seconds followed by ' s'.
1 h 45 min
